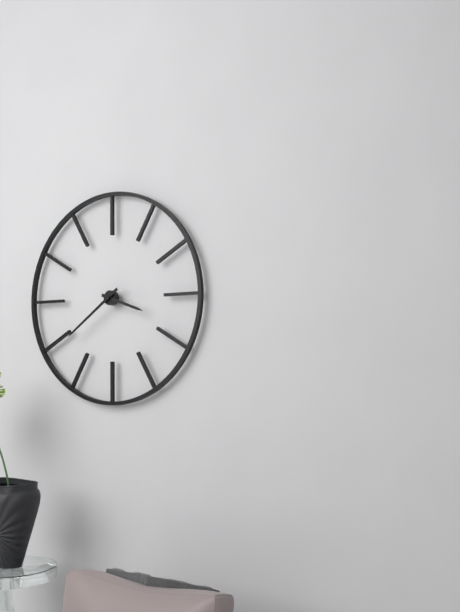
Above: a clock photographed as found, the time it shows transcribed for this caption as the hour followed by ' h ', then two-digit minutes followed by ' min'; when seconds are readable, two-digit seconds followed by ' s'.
3 h 39 min
